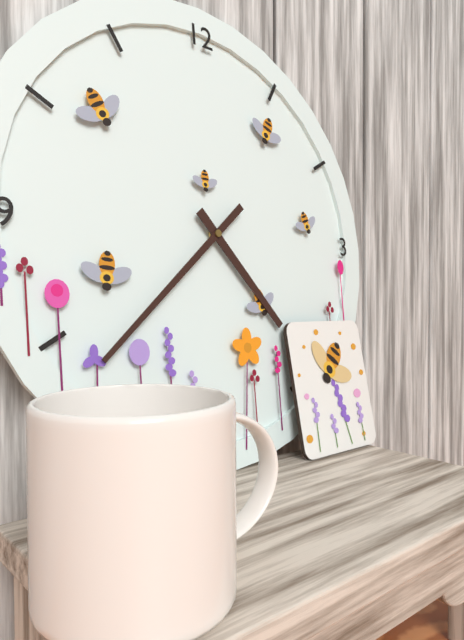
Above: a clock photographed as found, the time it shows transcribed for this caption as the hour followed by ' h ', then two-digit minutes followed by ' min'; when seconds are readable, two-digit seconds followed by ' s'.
4 h 38 min
